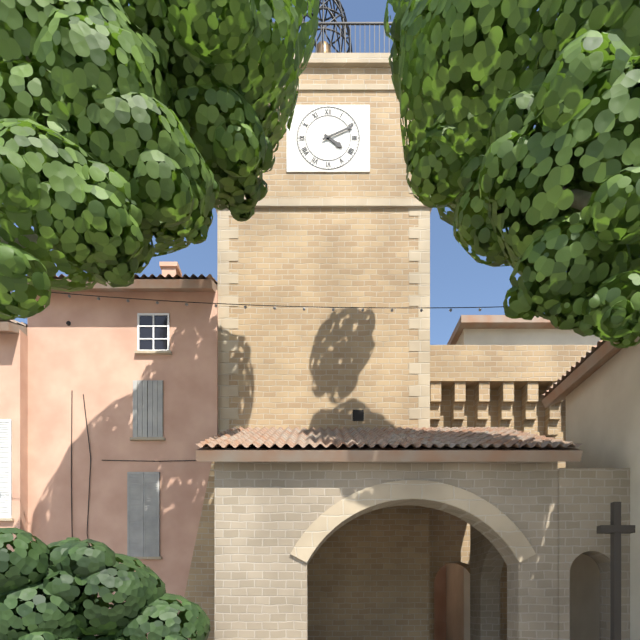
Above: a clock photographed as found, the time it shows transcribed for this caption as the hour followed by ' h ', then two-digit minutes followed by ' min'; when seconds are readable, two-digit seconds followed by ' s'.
4 h 11 min
